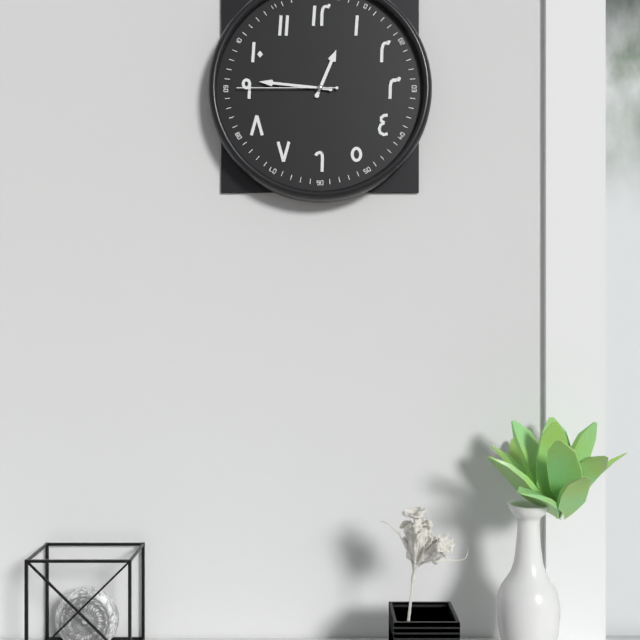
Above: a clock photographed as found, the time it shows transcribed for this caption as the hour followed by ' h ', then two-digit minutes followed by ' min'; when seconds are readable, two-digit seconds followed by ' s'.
12 h 46 min 45 s
